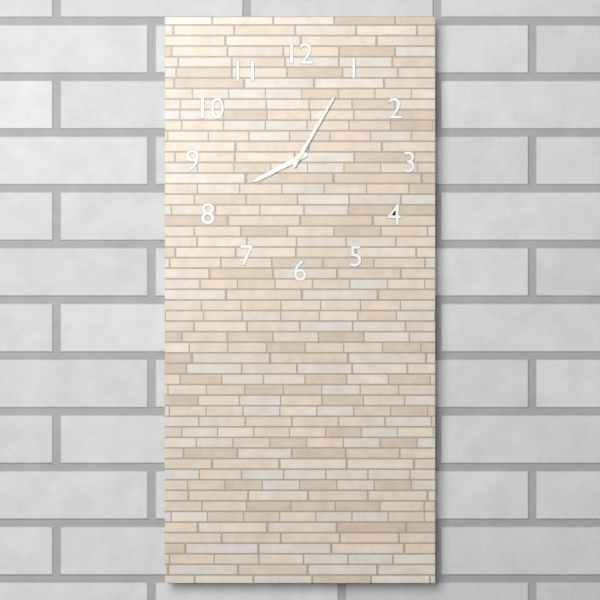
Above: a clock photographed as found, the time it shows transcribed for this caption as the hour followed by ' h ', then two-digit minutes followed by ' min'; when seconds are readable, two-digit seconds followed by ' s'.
8 h 05 min
